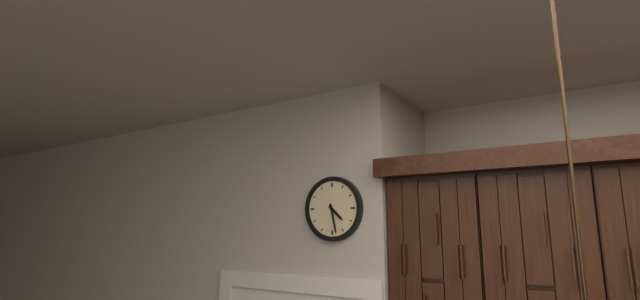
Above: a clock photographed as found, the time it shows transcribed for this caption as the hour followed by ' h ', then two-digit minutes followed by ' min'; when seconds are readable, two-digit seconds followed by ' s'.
4 h 28 min
